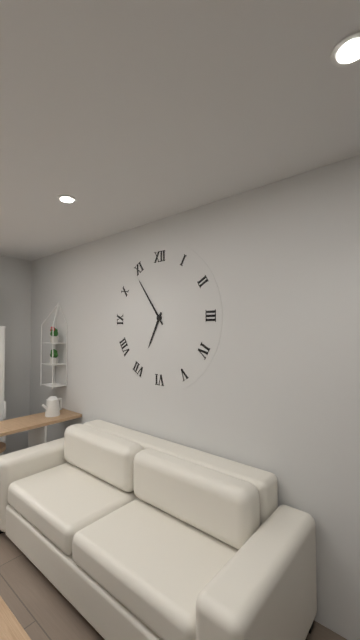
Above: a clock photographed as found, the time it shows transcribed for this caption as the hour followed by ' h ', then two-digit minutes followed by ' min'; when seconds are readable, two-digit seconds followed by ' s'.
6 h 54 min
